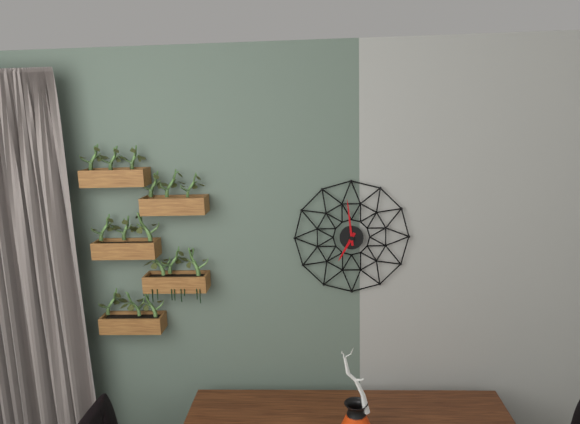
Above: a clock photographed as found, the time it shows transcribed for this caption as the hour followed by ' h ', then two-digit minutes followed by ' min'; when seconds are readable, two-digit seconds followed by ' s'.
6 h 59 min
